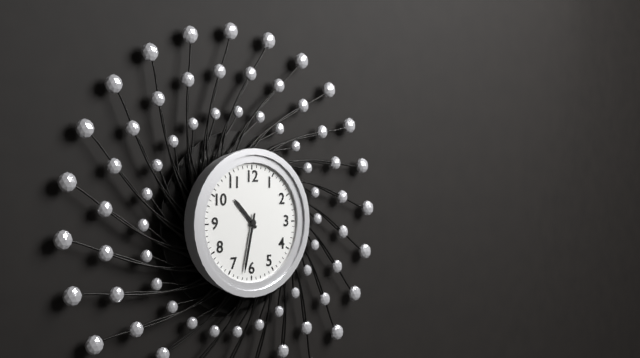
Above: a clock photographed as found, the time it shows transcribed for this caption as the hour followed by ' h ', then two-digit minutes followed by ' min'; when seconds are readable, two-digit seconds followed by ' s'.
10 h 32 min
